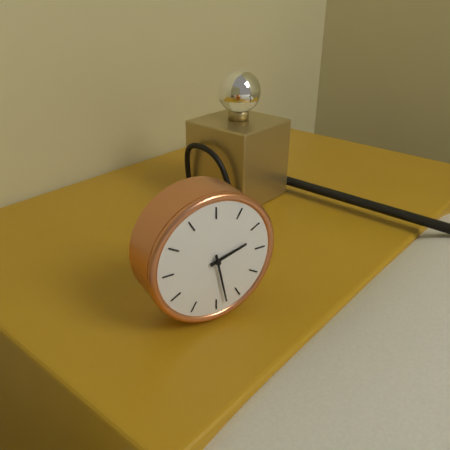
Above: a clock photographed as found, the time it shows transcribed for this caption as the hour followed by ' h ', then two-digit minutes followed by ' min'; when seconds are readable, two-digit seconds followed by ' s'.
2 h 28 min
